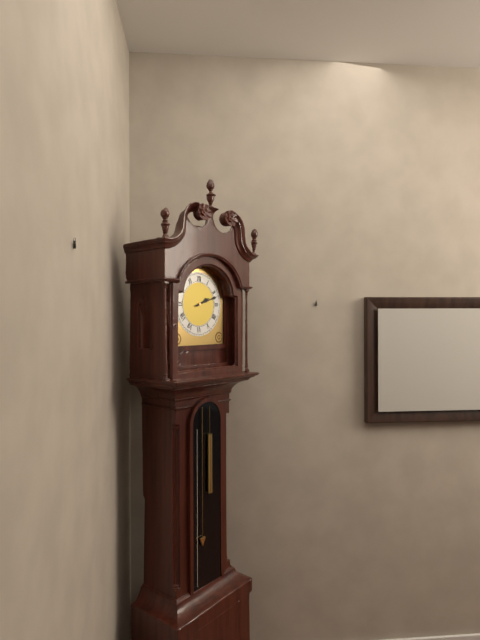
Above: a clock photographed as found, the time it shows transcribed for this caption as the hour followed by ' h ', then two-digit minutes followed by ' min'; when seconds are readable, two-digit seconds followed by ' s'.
2 h 12 min
